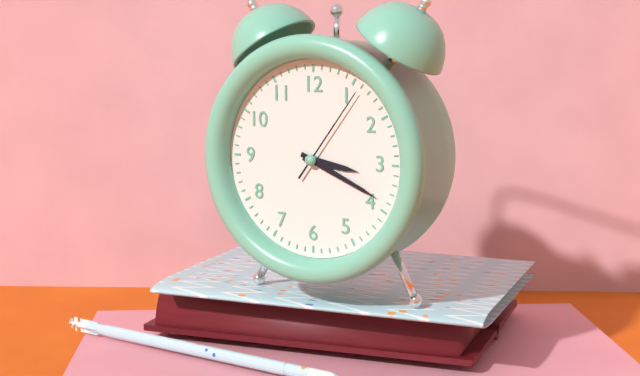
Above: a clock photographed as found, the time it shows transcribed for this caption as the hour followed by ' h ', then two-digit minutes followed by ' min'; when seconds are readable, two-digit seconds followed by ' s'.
3 h 19 min 06 s
